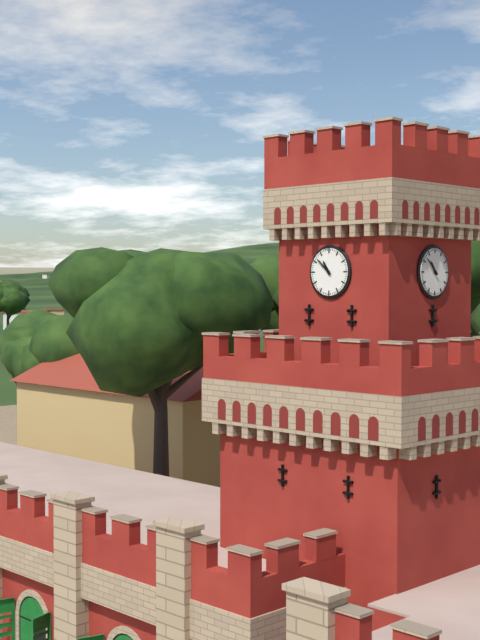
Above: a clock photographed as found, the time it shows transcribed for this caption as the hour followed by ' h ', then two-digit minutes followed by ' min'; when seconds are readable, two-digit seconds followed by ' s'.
10 h 52 min
